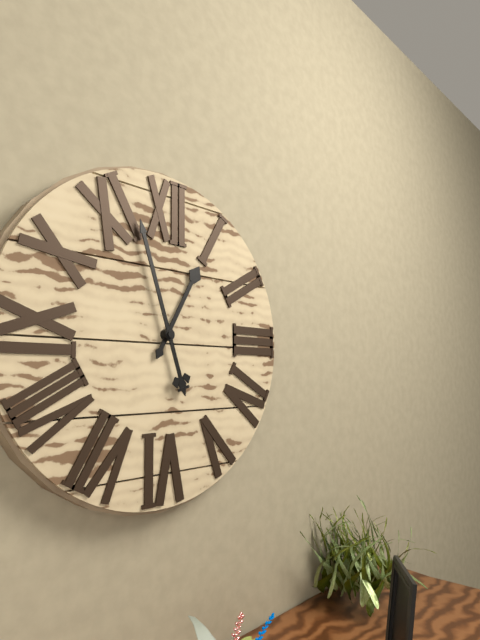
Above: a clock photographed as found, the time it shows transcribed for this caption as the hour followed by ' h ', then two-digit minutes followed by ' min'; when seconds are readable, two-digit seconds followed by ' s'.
12 h 57 min
